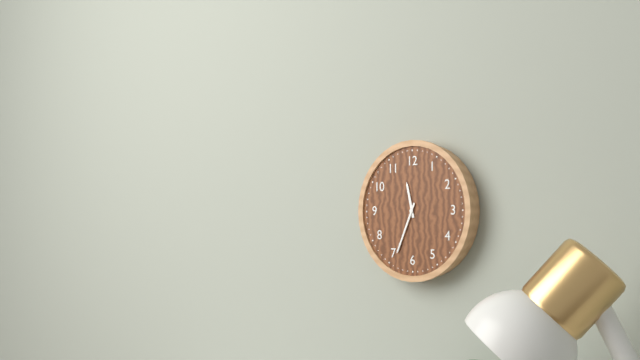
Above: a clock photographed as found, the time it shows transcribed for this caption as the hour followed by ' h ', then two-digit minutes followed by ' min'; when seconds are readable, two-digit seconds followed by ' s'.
11 h 34 min
